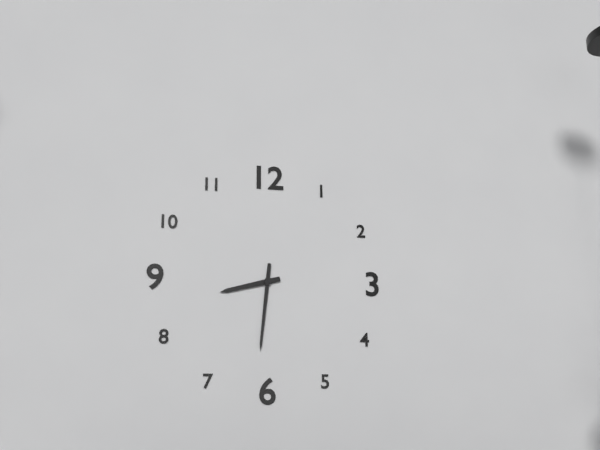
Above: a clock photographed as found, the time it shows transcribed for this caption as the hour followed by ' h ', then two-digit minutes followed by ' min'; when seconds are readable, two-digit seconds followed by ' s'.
8 h 31 min
